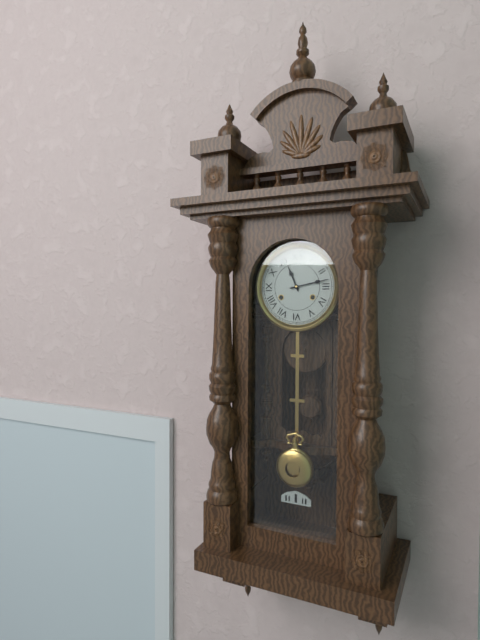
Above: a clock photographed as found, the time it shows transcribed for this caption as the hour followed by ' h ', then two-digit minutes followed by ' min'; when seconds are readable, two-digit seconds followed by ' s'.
11 h 13 min
